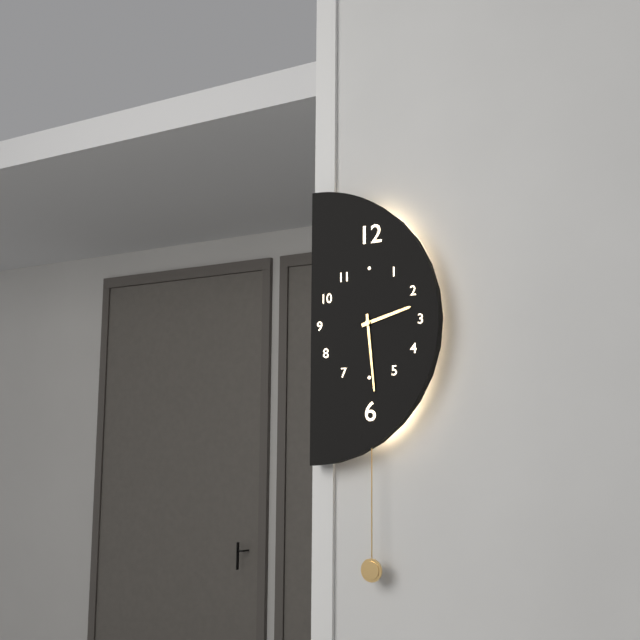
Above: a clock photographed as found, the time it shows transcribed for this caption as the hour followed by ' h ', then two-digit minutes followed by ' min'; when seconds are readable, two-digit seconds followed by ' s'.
2 h 29 min
